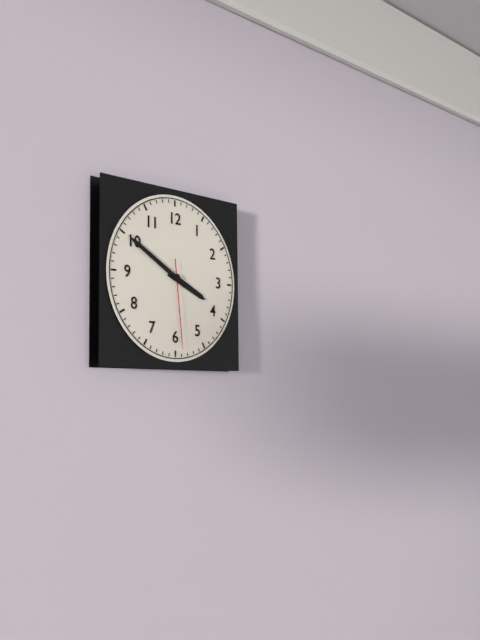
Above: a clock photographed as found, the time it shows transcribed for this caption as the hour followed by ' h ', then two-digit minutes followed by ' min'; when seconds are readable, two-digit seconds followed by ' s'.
3 h 50 min 29 s
